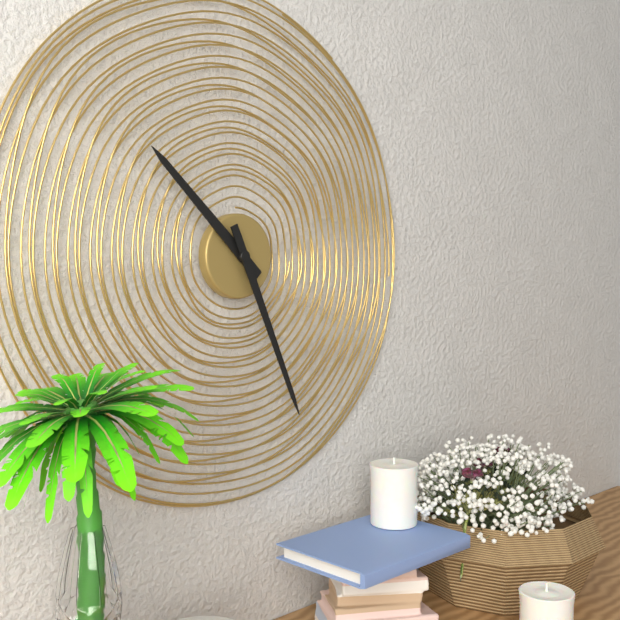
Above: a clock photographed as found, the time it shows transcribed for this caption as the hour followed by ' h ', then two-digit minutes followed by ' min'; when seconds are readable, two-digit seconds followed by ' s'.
10 h 26 min
